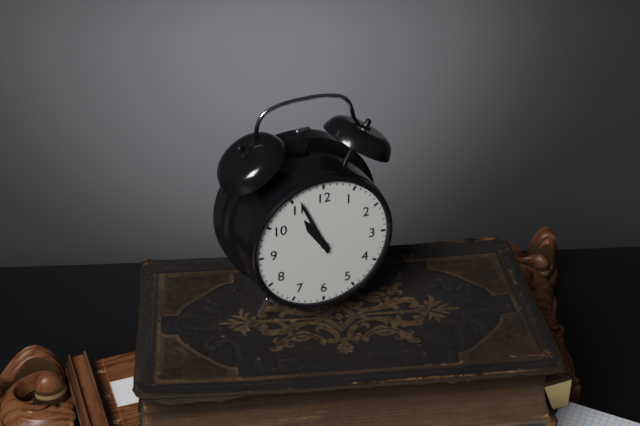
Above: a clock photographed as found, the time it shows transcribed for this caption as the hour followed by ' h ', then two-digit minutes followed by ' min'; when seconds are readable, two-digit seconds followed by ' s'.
10 h 56 min
